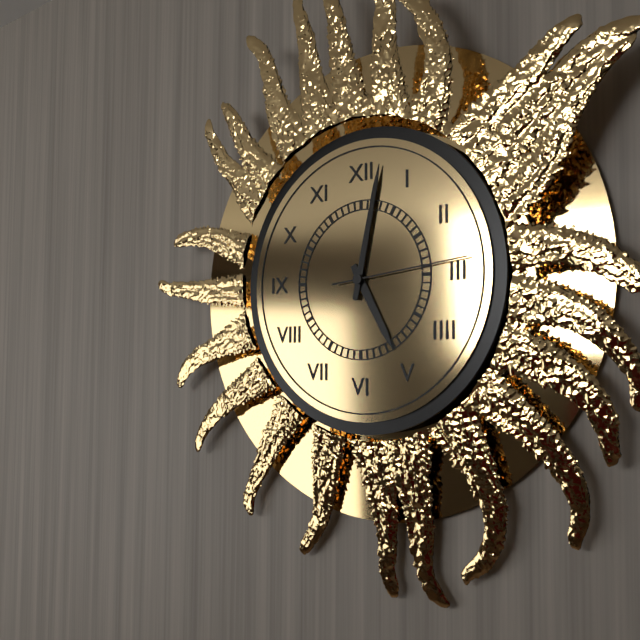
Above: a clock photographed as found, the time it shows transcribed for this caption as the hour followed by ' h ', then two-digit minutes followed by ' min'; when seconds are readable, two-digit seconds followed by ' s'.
5 h 02 min 14 s
